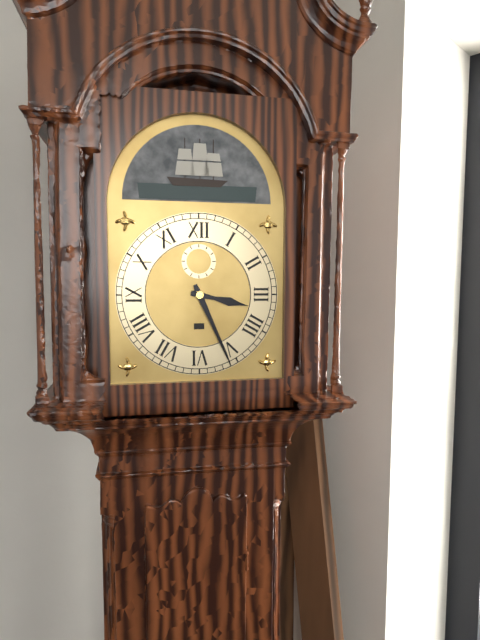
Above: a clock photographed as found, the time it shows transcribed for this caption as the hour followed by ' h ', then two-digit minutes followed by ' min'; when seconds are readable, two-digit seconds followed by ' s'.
3 h 26 min
